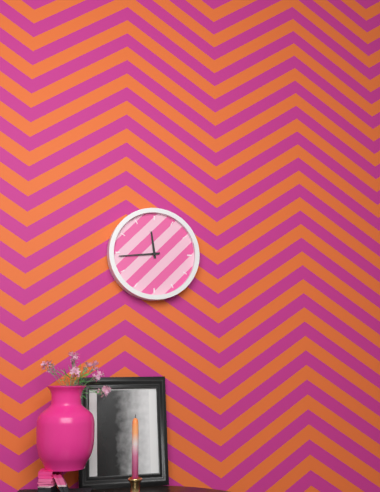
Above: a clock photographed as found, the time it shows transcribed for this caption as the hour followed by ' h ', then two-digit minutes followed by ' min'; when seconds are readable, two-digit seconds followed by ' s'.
11 h 44 min
